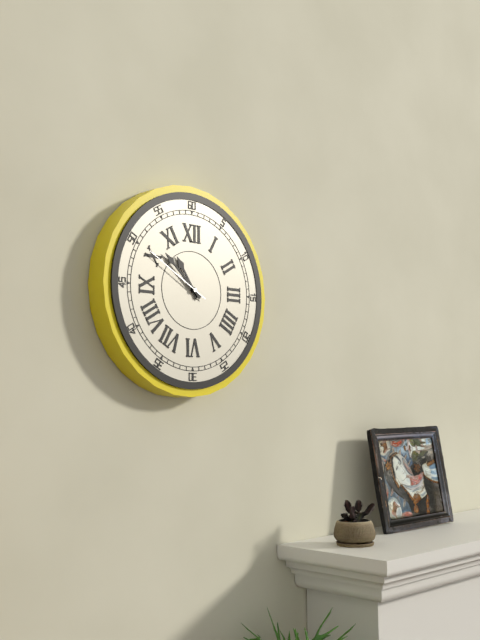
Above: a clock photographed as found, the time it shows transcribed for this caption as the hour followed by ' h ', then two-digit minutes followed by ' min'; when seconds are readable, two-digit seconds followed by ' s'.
10 h 52 min 50 s
